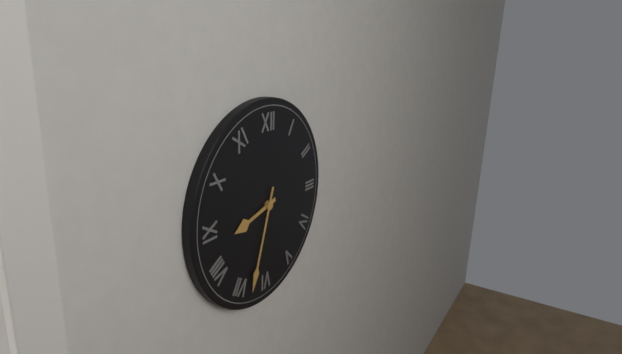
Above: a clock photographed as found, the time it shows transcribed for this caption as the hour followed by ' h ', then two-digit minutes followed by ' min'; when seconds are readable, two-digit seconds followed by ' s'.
8 h 33 min
